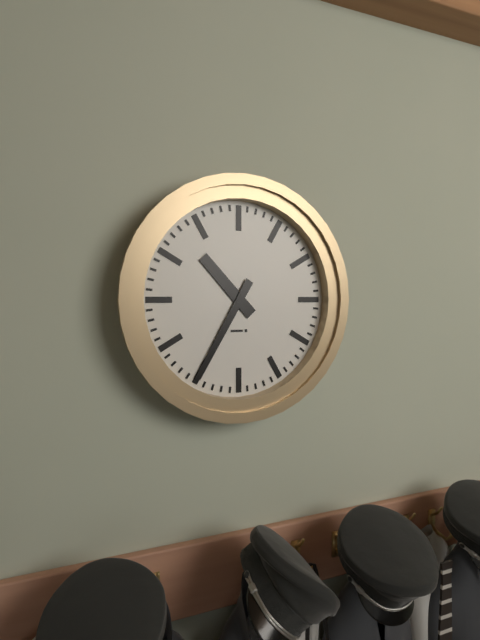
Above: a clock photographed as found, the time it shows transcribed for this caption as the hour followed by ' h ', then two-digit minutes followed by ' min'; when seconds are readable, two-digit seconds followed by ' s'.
10 h 35 min
